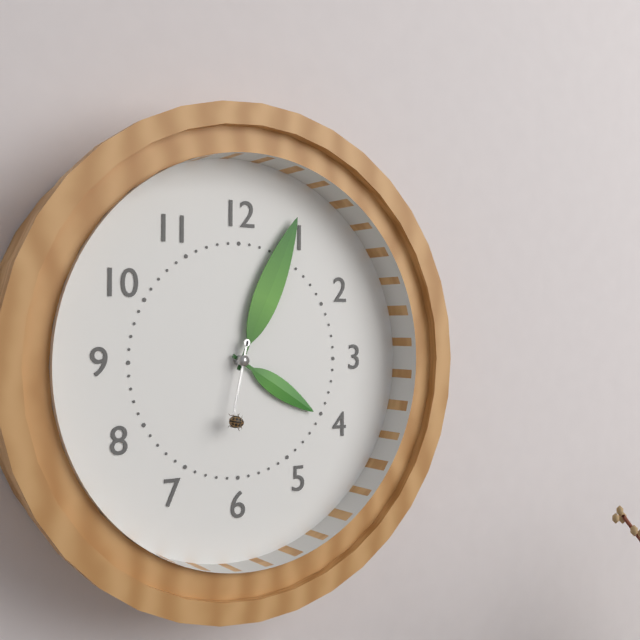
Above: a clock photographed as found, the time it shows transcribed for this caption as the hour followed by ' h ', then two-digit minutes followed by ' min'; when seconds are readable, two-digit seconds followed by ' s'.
4 h 04 min 32 s
